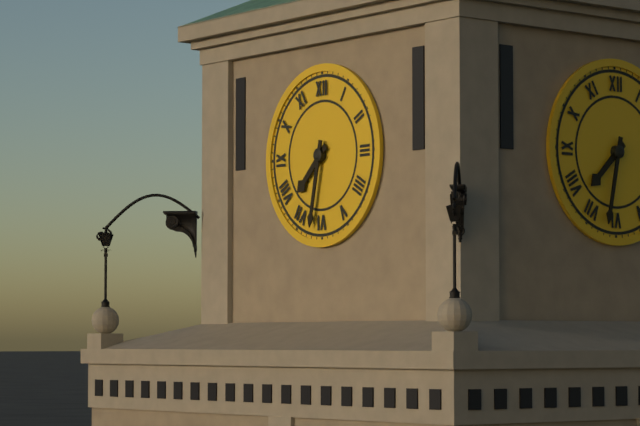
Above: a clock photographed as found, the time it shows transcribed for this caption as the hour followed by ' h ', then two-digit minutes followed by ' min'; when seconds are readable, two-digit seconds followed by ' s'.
7 h 32 min
